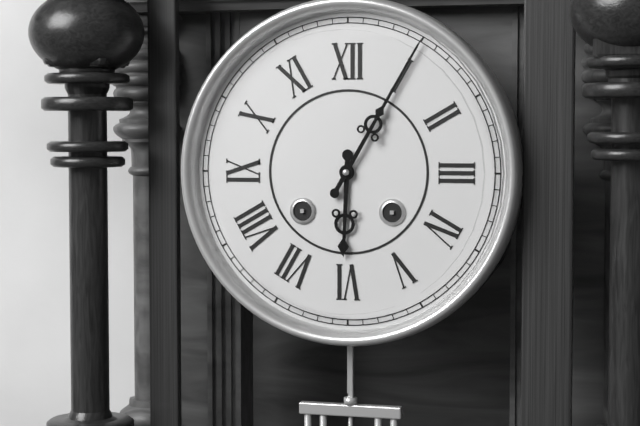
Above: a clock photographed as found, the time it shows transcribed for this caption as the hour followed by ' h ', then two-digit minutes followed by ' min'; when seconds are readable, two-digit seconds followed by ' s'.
6 h 05 min
